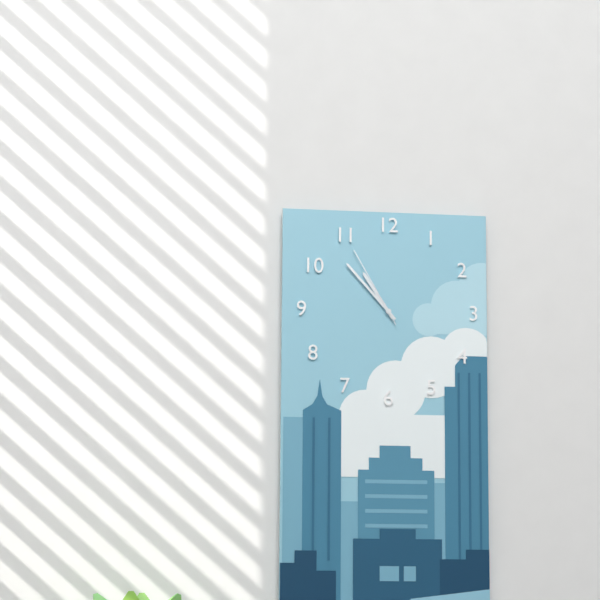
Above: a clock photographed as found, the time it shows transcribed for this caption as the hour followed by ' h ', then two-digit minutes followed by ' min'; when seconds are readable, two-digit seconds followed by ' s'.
10 h 53 min 55 s
